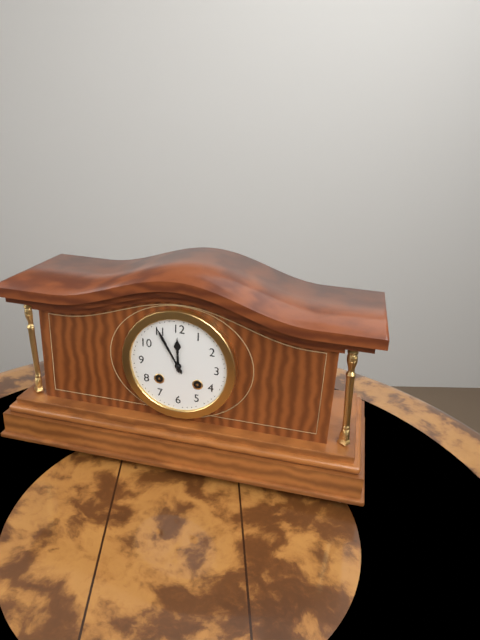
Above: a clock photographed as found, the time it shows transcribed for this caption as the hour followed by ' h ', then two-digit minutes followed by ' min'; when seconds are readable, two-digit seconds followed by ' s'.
11 h 55 min
